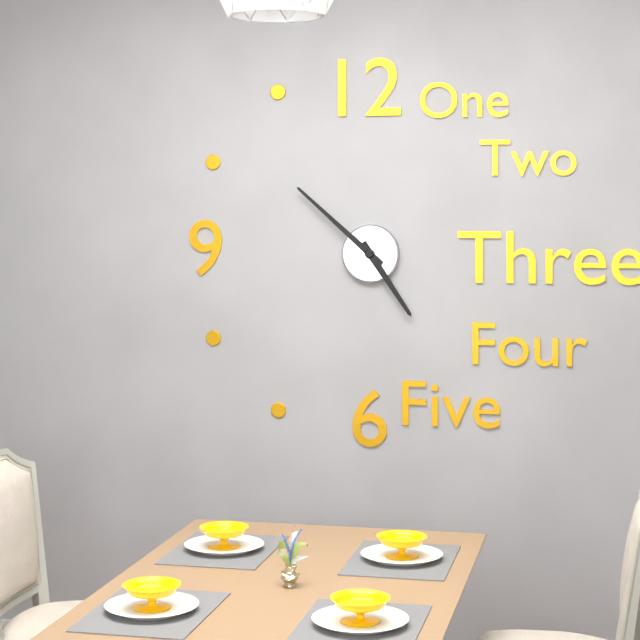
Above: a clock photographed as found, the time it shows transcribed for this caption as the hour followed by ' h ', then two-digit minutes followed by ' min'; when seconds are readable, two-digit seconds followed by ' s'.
4 h 52 min
